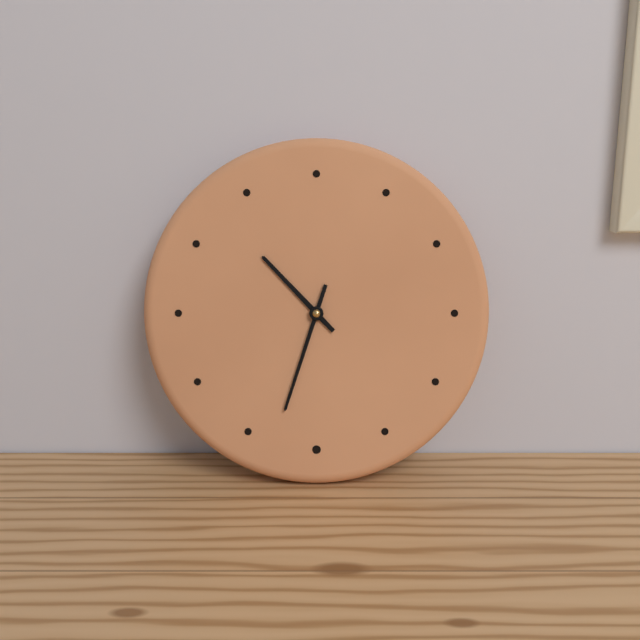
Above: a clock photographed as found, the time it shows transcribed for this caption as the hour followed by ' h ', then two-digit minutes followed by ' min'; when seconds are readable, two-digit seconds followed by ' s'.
10 h 33 min
